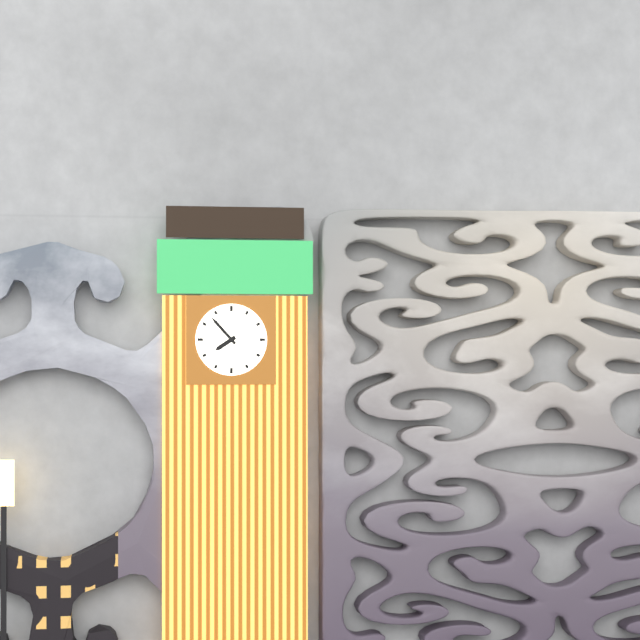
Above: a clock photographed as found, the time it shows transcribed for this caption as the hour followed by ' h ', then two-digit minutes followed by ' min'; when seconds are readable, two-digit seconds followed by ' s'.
7 h 53 min
